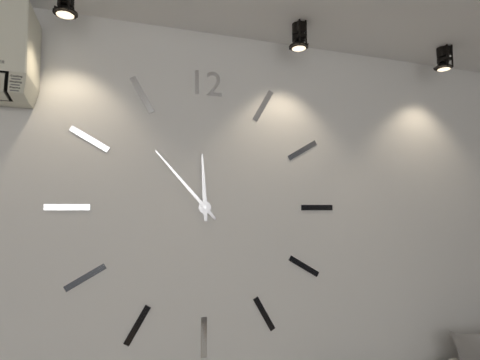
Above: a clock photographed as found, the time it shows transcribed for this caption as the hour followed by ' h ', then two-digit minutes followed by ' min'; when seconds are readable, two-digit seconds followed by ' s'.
11 h 53 min
